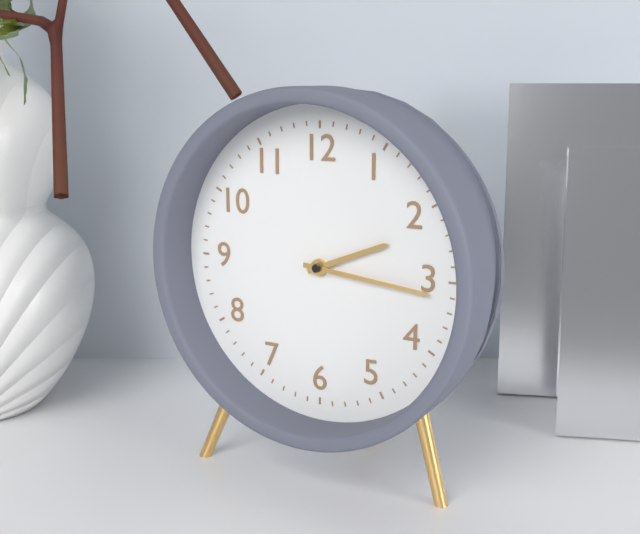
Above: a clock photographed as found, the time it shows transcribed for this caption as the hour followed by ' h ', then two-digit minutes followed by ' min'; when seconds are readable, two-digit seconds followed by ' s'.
2 h 16 min
